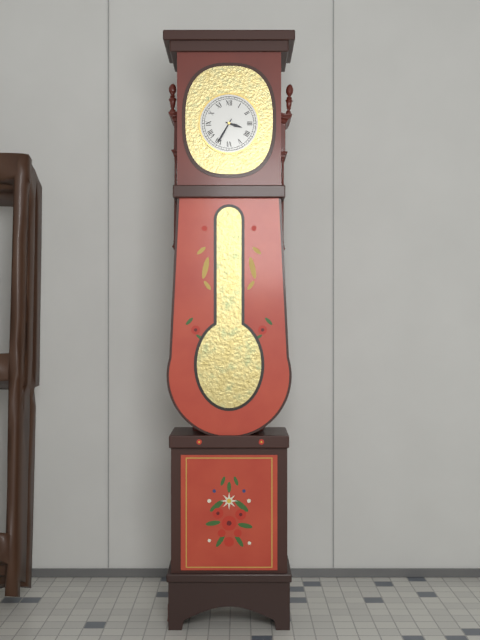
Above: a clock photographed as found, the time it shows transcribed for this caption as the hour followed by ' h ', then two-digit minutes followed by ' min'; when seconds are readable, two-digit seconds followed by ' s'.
3 h 35 min
